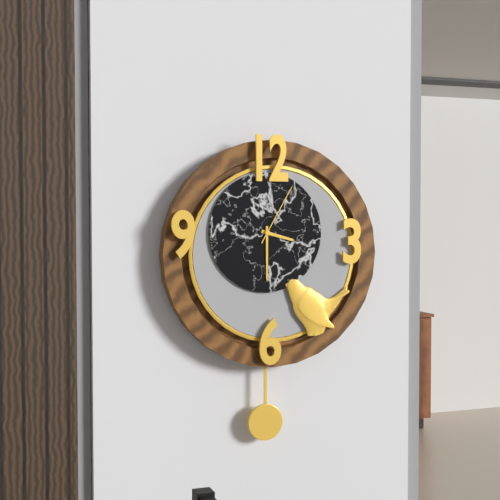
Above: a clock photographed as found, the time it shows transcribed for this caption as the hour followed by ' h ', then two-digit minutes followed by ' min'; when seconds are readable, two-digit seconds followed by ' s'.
3 h 30 min 05 s
